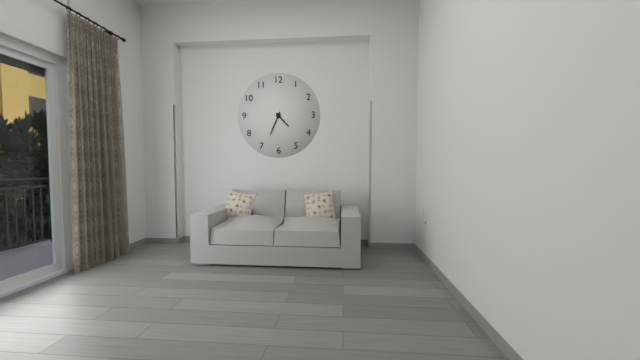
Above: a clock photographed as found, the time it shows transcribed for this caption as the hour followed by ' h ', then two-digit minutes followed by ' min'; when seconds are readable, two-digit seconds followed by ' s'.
4 h 34 min
